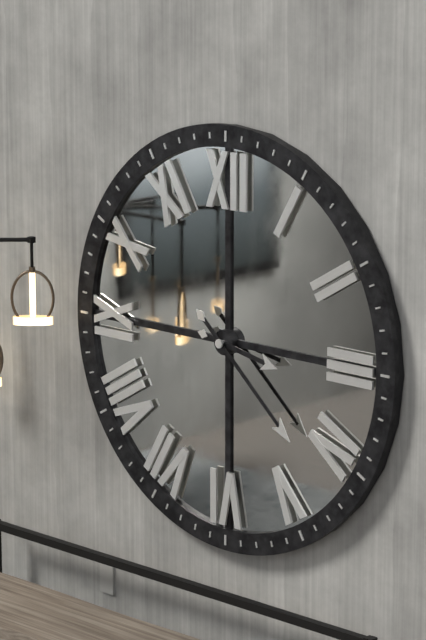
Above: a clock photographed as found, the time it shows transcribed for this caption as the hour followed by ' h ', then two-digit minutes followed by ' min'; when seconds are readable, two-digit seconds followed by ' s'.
3 h 22 min
